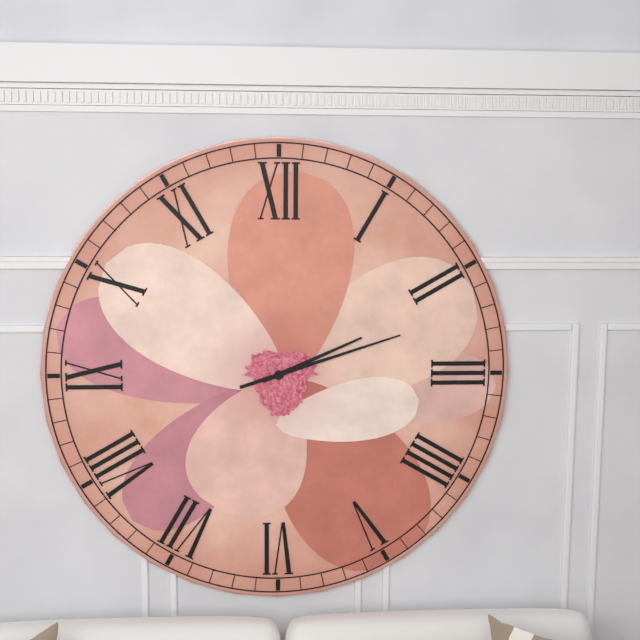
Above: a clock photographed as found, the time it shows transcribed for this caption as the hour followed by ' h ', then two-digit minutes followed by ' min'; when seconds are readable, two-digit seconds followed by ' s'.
2 h 12 min
